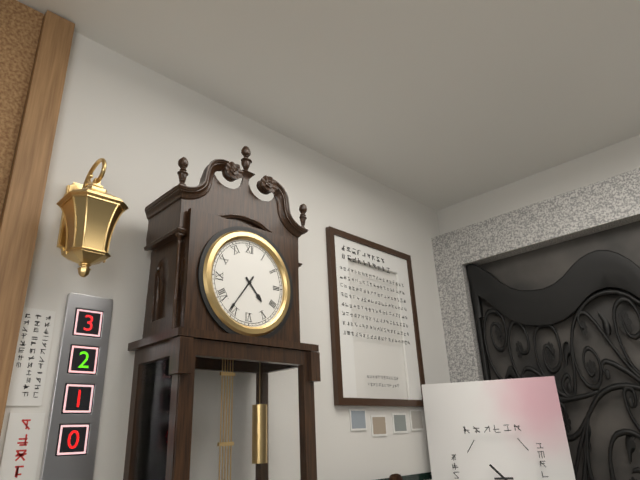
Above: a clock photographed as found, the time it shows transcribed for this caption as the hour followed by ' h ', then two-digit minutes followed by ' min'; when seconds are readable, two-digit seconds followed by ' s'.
4 h 36 min
